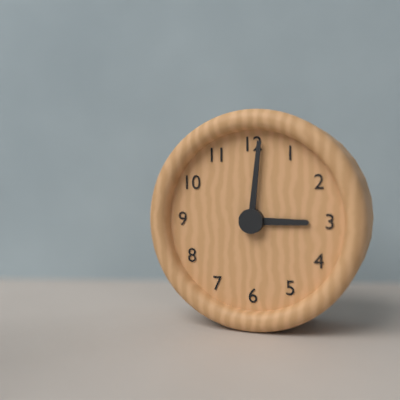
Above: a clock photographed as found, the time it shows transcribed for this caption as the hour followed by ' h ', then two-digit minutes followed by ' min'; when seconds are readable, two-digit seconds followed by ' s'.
3 h 01 min
